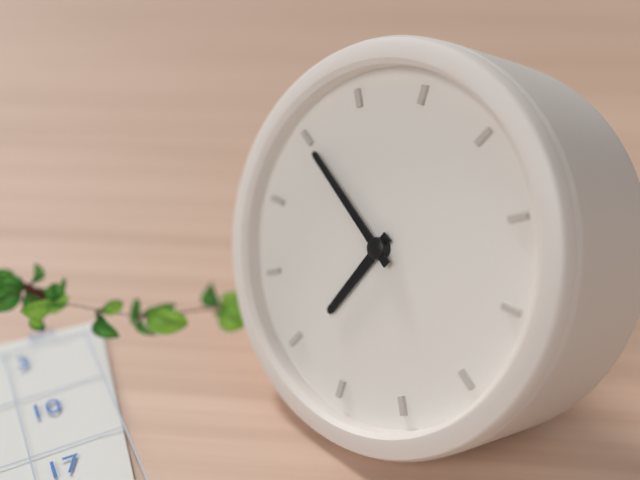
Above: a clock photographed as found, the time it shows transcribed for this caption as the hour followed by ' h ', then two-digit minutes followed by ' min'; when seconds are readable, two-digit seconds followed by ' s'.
6 h 50 min
